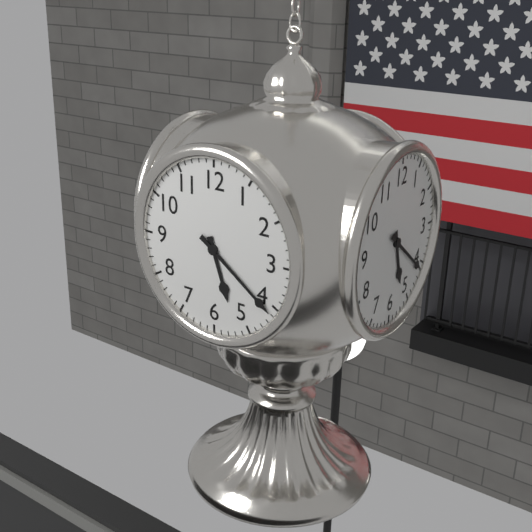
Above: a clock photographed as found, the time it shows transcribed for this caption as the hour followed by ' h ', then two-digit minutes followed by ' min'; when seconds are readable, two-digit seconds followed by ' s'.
5 h 21 min
